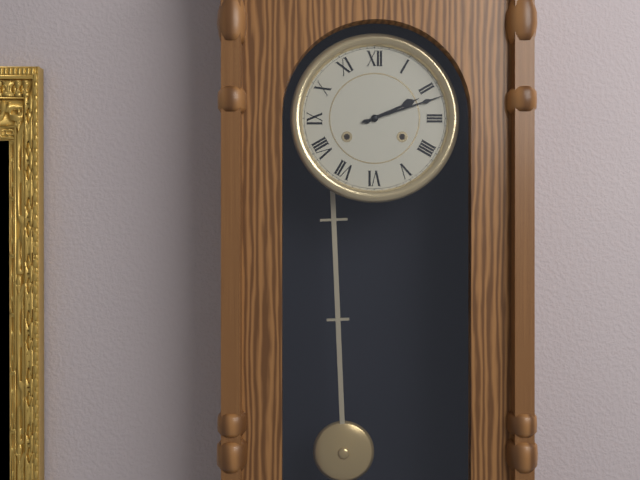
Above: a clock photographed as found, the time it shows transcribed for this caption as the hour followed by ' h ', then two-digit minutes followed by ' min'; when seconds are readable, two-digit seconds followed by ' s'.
2 h 12 min
